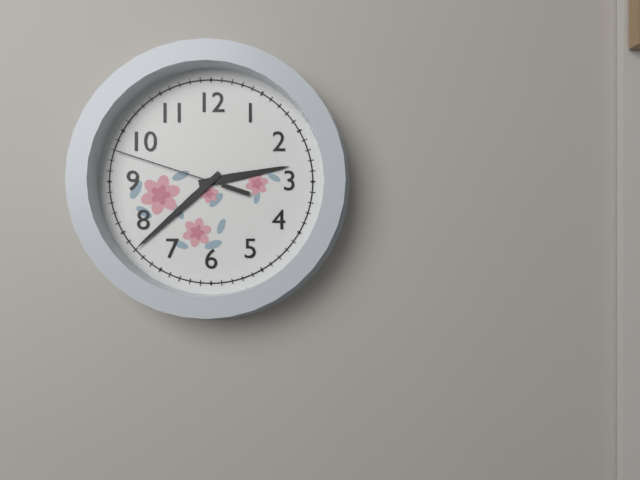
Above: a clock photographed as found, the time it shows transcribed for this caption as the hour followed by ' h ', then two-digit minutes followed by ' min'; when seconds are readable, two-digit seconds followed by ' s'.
2 h 38 min 48 s
